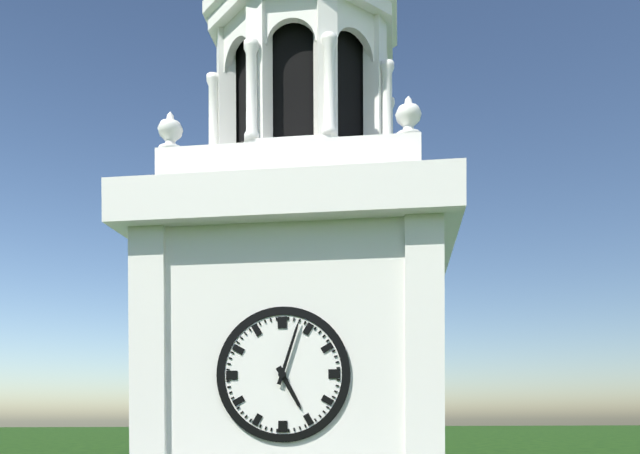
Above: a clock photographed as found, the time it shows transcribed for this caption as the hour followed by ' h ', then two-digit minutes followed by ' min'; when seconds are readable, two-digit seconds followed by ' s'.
5 h 03 min
